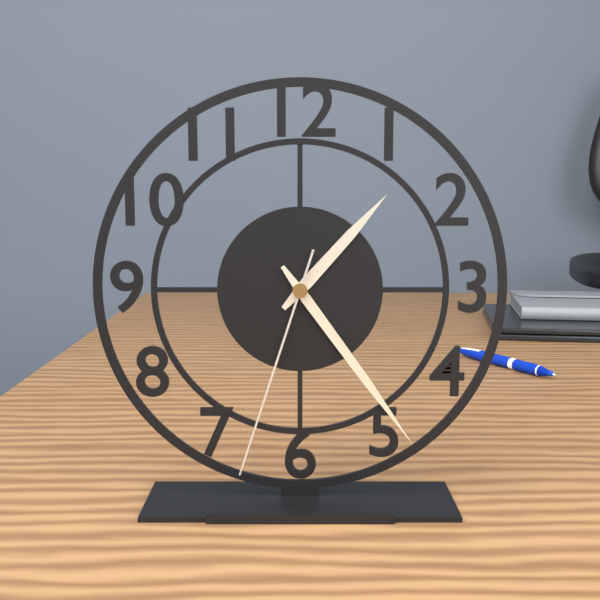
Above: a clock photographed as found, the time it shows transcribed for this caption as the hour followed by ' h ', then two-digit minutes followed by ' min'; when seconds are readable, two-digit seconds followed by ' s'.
1 h 24 min 33 s
